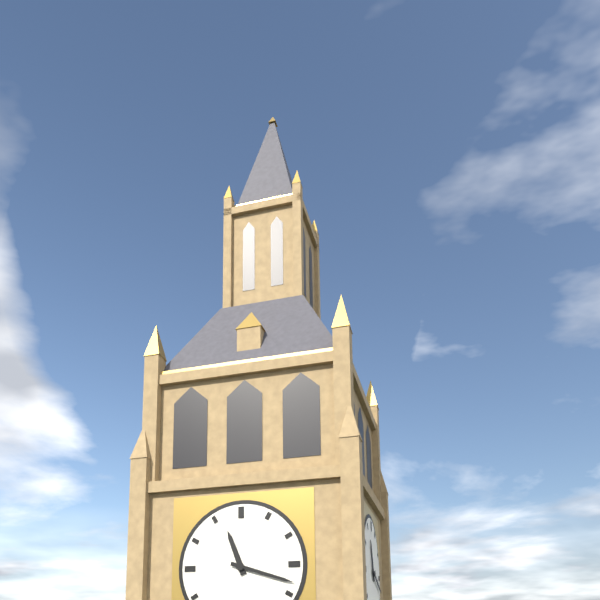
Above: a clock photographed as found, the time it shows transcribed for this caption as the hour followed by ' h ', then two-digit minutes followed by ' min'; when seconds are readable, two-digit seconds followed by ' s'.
11 h 18 min
